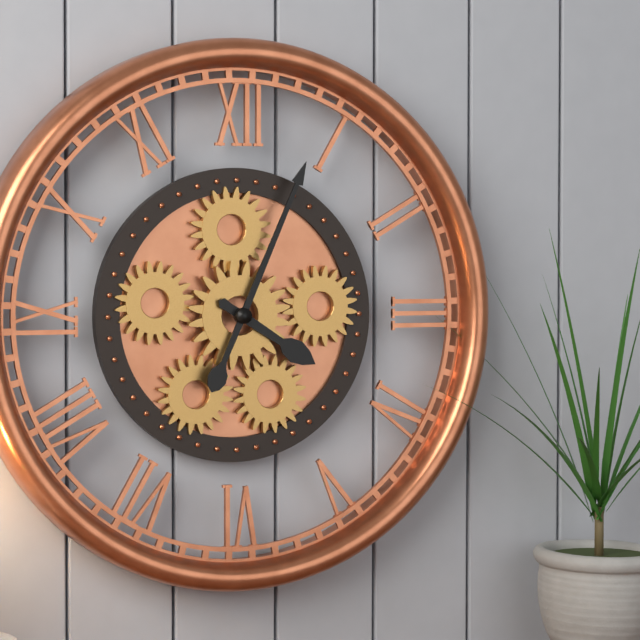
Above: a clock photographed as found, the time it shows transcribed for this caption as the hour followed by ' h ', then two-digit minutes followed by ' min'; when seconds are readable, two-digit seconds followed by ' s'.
4 h 04 min
